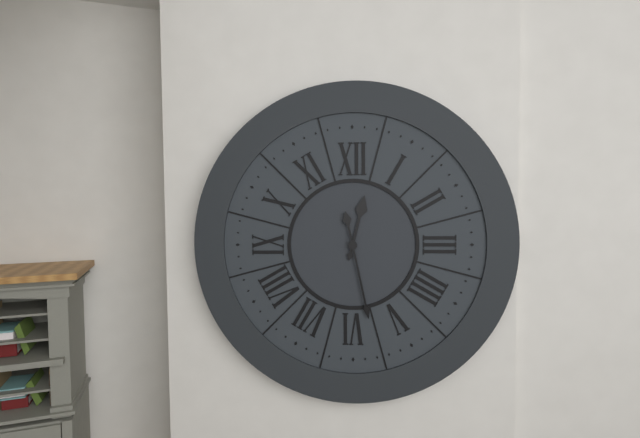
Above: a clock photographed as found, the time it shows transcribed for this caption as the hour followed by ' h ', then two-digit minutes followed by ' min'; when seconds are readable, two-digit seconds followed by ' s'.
12 h 28 min
